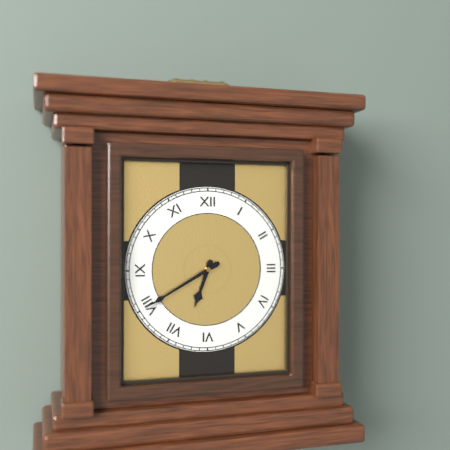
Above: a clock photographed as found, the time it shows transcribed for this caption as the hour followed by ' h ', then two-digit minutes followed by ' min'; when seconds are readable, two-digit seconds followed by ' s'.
6 h 40 min
